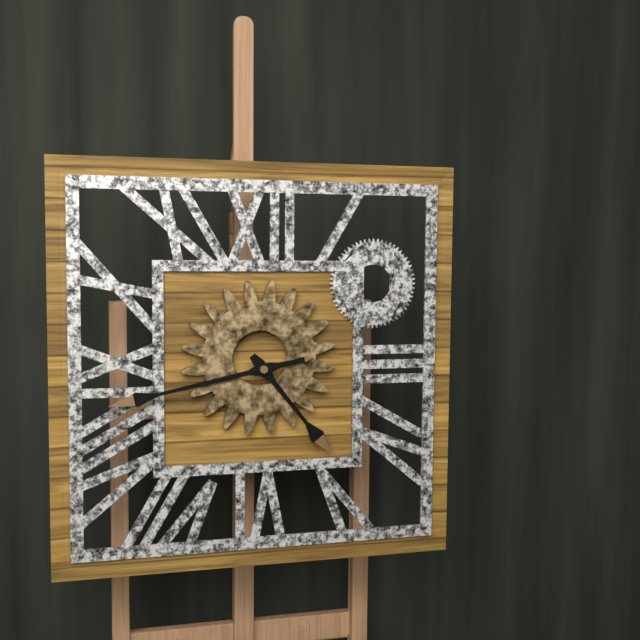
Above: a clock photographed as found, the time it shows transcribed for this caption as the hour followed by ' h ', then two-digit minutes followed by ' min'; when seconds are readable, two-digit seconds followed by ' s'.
4 h 43 min
